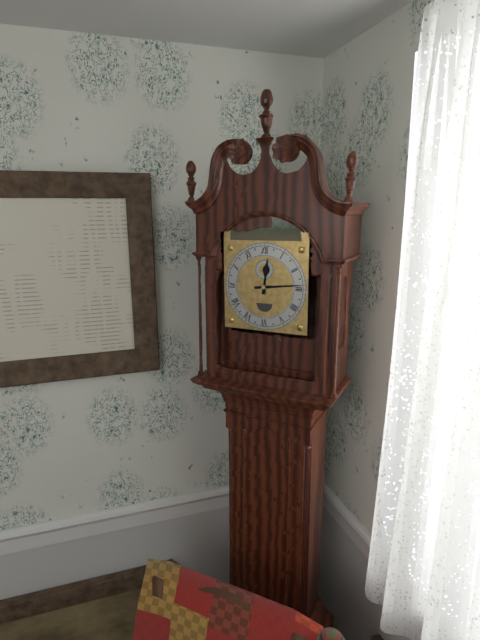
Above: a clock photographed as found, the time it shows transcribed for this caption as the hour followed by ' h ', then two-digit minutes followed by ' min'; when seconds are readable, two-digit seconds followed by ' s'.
12 h 14 min
